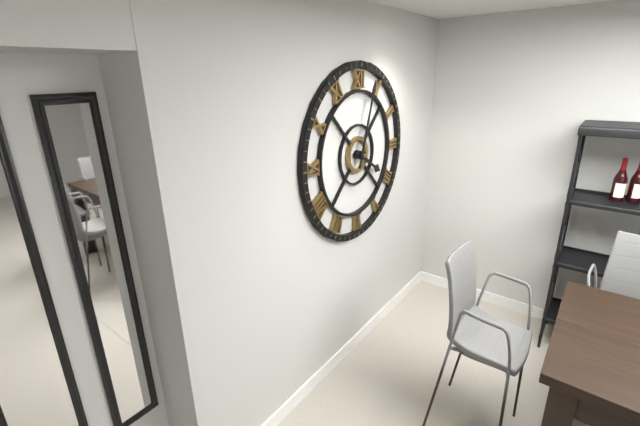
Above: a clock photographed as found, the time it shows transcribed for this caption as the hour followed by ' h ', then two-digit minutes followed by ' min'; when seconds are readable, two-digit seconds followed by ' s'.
4 h 03 min
